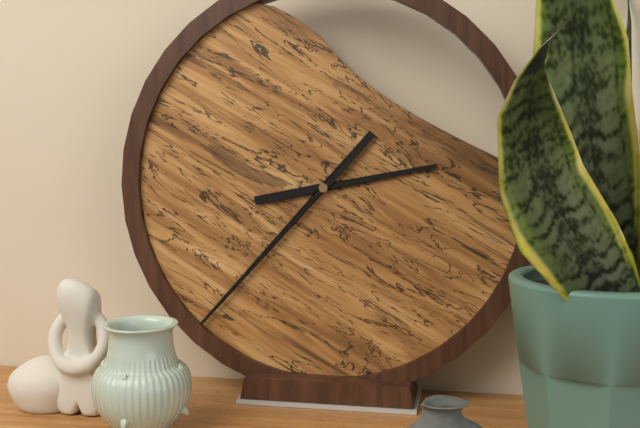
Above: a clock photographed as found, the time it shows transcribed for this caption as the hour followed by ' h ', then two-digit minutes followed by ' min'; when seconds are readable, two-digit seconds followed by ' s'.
2 h 37 min
